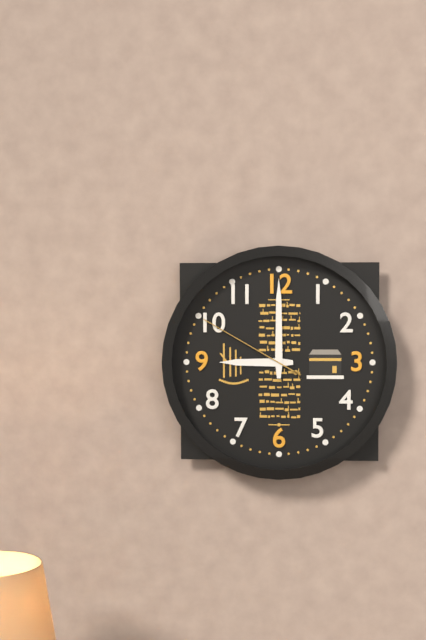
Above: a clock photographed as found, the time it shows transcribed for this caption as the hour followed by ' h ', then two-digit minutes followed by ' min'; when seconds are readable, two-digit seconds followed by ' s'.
9 h 00 min 50 s
